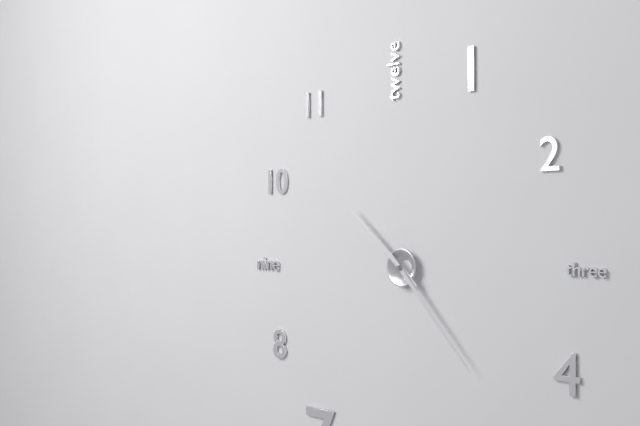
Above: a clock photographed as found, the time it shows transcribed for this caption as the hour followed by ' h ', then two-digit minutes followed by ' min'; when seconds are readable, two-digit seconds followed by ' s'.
10 h 23 min
